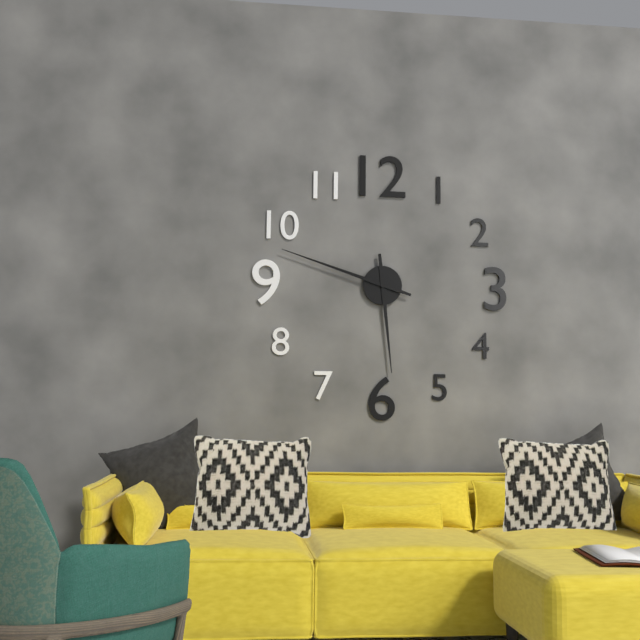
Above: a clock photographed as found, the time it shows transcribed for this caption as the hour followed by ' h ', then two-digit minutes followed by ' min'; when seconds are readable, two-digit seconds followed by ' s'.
5 h 48 min
